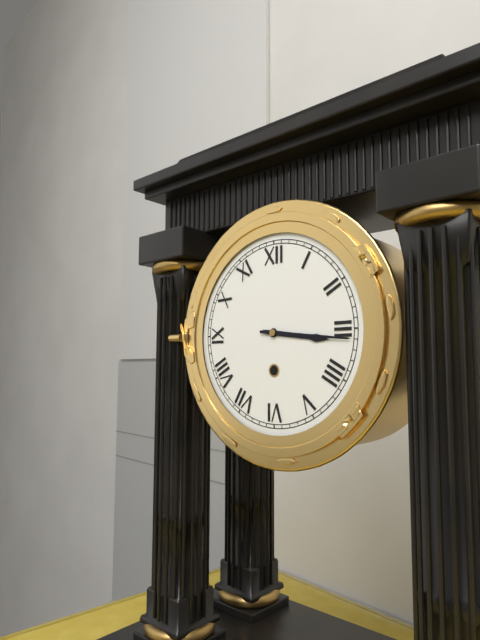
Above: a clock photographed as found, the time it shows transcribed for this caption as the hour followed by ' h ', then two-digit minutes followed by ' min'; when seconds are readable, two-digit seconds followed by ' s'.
3 h 16 min
